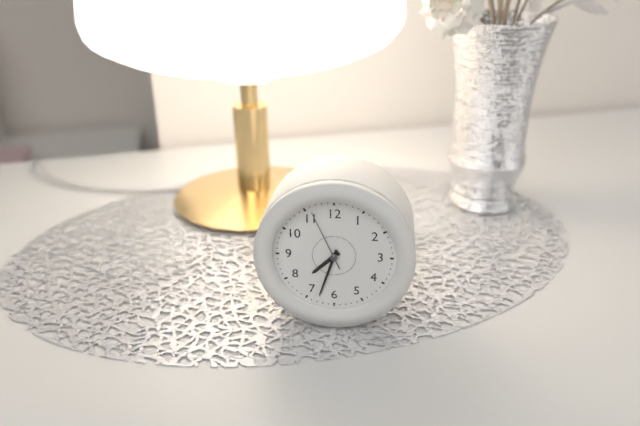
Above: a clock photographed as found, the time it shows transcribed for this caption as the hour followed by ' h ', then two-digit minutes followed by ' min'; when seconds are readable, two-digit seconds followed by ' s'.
7 h 33 min 56 s
